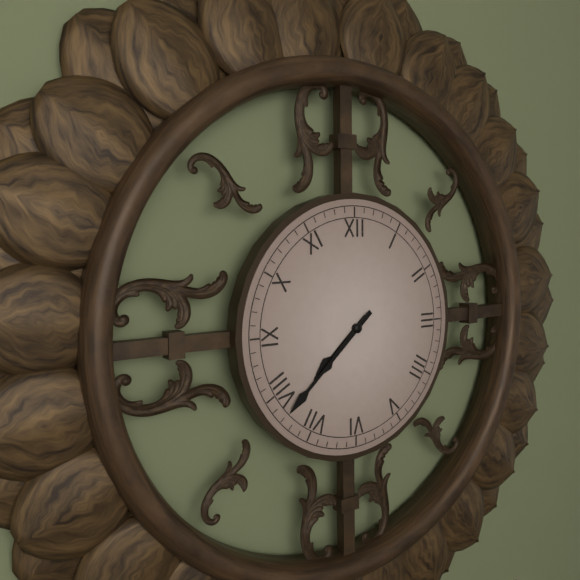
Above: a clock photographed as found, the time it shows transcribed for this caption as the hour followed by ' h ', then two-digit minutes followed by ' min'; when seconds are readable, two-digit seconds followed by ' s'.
7 h 38 min
